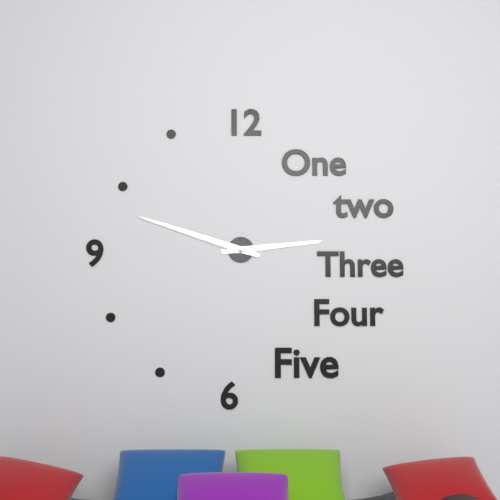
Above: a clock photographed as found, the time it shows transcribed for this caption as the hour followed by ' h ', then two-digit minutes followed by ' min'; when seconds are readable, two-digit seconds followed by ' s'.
2 h 48 min
